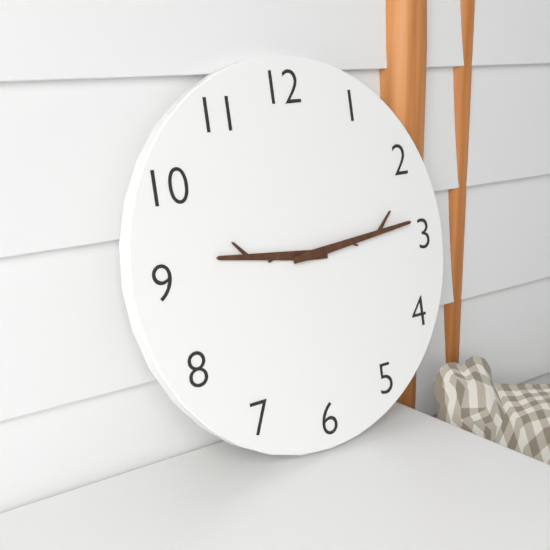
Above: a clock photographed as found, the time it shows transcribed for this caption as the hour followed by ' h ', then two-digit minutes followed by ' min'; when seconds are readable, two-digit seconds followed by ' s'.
9 h 14 min
